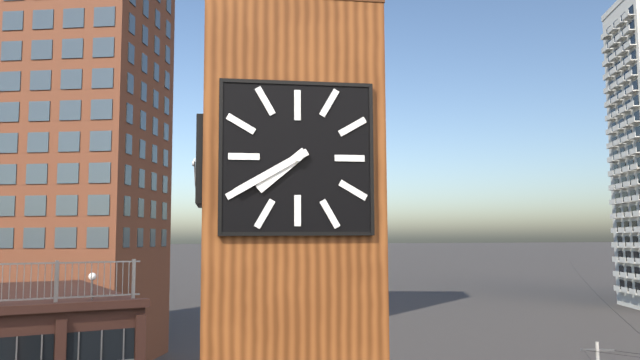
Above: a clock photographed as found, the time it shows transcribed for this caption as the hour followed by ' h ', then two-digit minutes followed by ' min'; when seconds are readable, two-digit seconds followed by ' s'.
7 h 40 min
